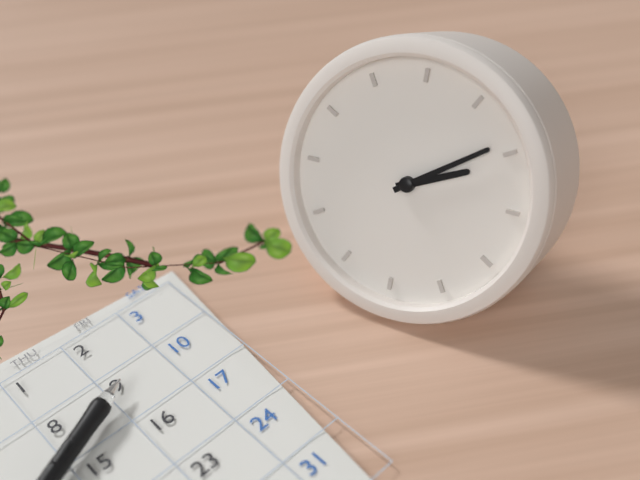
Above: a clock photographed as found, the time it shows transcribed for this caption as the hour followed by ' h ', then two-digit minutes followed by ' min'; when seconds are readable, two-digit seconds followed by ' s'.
2 h 09 min
